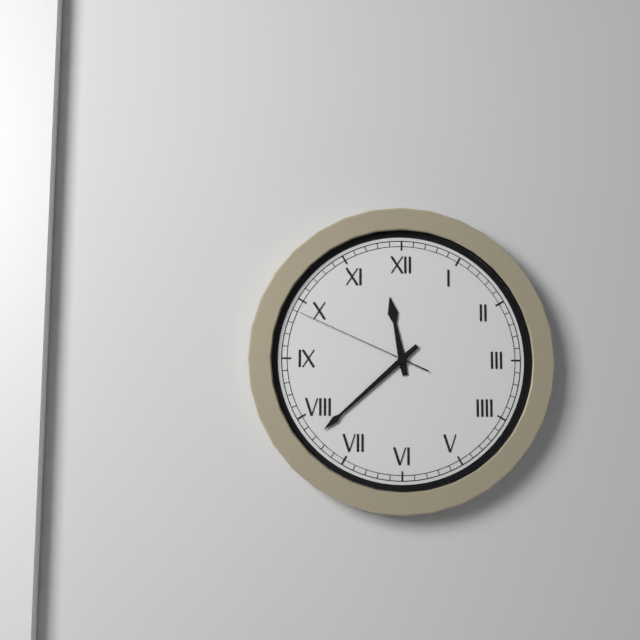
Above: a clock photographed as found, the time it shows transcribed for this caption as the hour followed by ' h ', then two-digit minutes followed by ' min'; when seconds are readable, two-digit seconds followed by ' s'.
11 h 38 min 49 s
